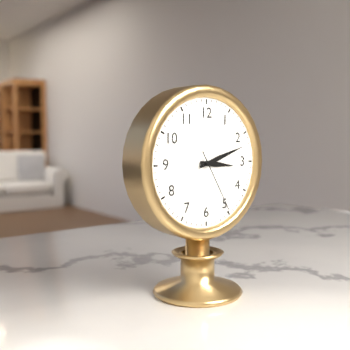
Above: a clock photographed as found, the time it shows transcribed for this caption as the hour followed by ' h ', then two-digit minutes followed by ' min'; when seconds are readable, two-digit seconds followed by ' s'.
3 h 12 min 25 s
